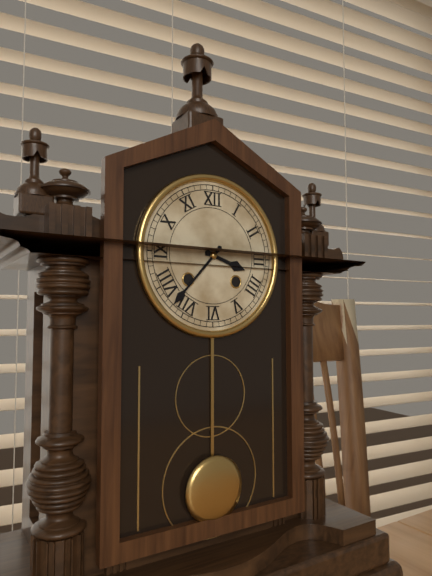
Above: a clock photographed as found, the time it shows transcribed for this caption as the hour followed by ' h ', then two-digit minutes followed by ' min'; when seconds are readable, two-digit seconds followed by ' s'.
3 h 37 min
